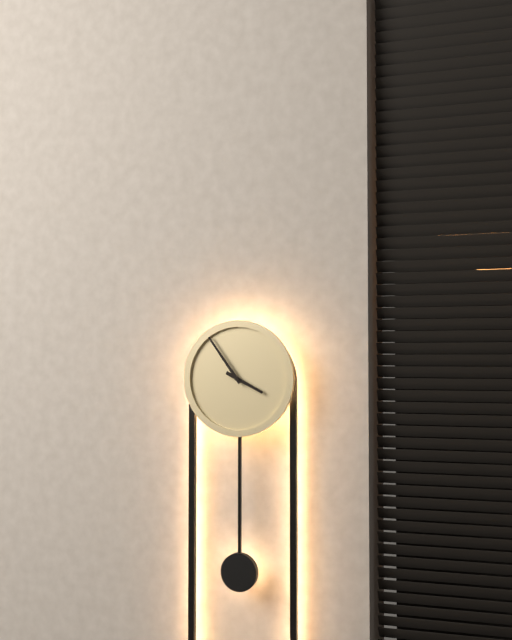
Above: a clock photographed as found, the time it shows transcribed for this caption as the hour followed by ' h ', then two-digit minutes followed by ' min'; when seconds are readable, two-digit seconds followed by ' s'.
3 h 54 min
